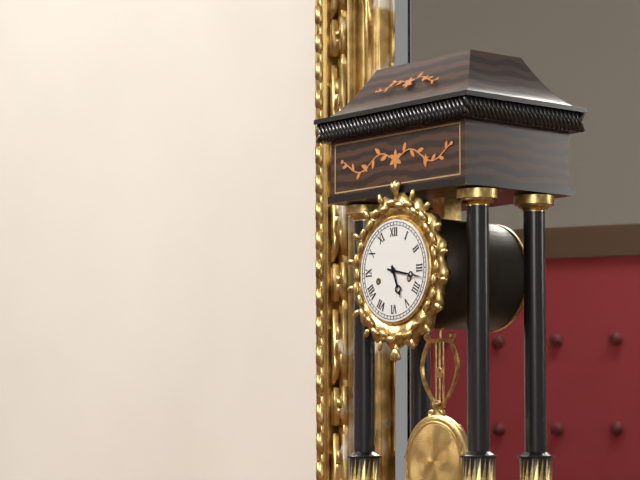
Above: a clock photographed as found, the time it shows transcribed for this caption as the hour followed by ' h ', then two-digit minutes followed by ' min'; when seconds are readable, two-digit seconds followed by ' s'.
5 h 17 min
